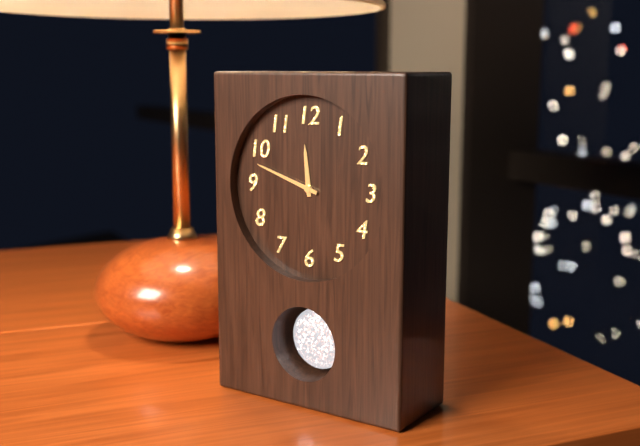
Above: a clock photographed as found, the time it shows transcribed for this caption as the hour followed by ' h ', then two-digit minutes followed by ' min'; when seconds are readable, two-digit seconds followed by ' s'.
11 h 48 min
